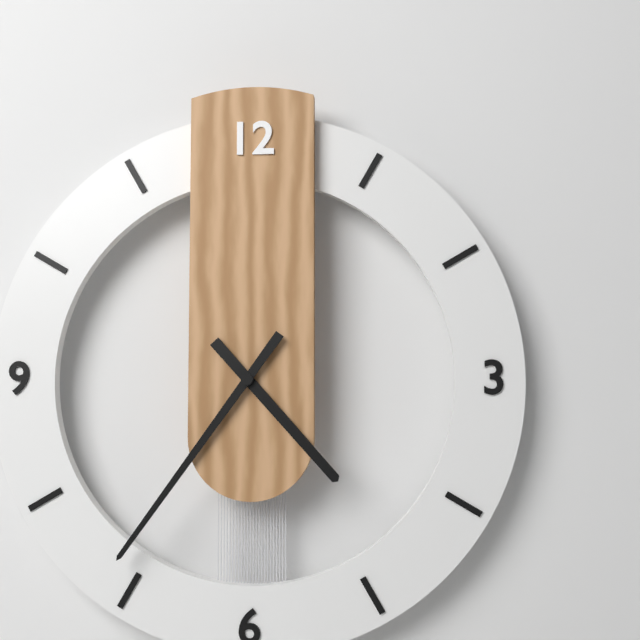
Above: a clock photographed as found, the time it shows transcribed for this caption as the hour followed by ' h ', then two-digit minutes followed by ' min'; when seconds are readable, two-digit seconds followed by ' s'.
4 h 36 min
